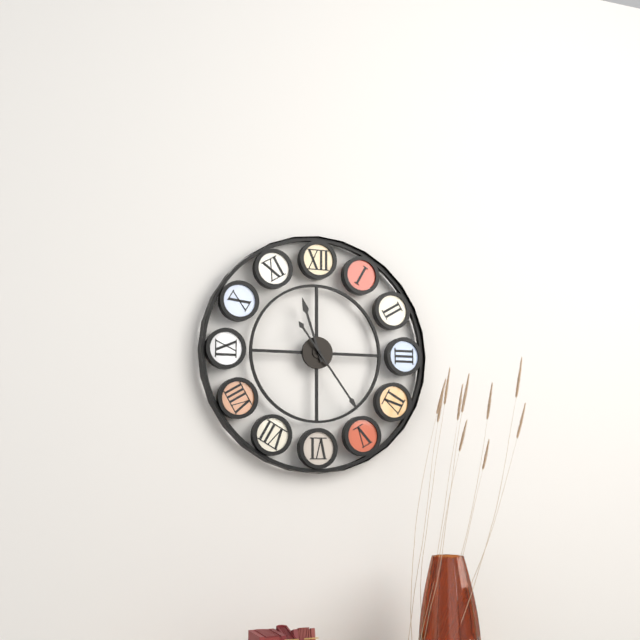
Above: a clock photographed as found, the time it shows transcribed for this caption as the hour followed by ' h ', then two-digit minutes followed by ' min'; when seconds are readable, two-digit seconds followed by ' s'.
11 h 24 min
